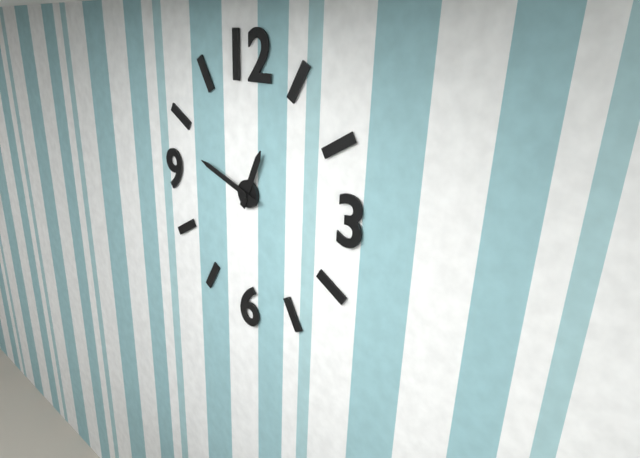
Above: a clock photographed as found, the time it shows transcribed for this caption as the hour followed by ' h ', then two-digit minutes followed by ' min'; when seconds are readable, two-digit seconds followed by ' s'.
12 h 48 min
